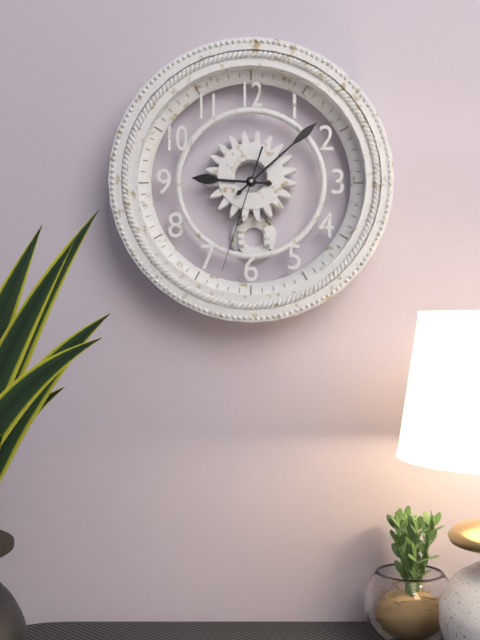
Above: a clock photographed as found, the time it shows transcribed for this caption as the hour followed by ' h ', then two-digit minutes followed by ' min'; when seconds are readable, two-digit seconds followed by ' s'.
9 h 08 min 33 s
